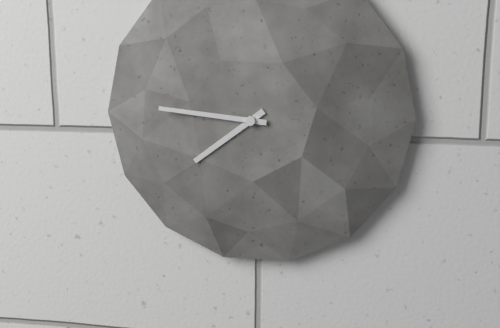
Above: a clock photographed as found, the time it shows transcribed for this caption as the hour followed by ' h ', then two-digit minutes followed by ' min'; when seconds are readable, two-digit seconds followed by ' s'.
7 h 46 min
